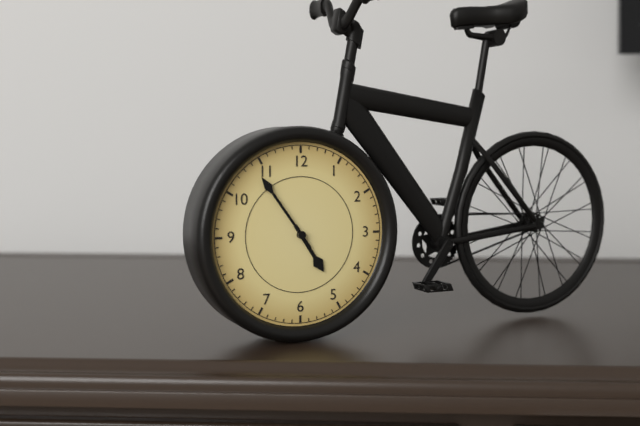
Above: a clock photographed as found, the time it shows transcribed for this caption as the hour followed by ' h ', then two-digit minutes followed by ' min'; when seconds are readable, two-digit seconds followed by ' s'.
4 h 54 min
